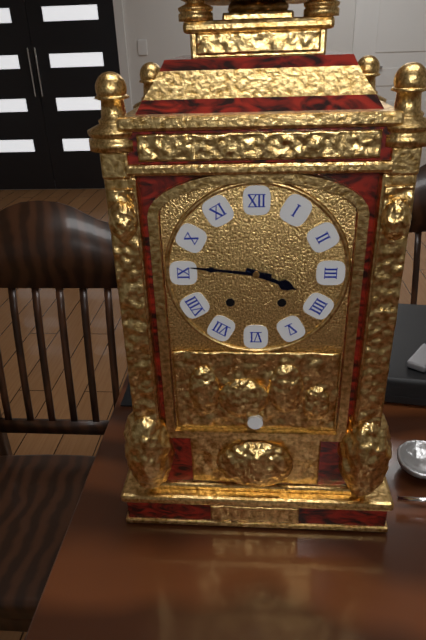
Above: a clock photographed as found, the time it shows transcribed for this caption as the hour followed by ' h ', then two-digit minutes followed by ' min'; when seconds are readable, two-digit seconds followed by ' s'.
3 h 46 min
